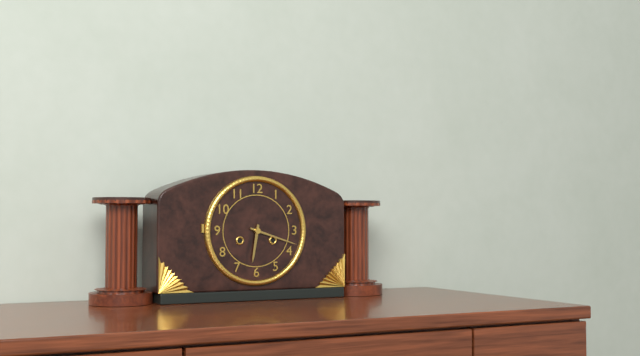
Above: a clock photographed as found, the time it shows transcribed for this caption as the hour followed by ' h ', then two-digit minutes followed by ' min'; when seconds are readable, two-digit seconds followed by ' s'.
6 h 18 min
